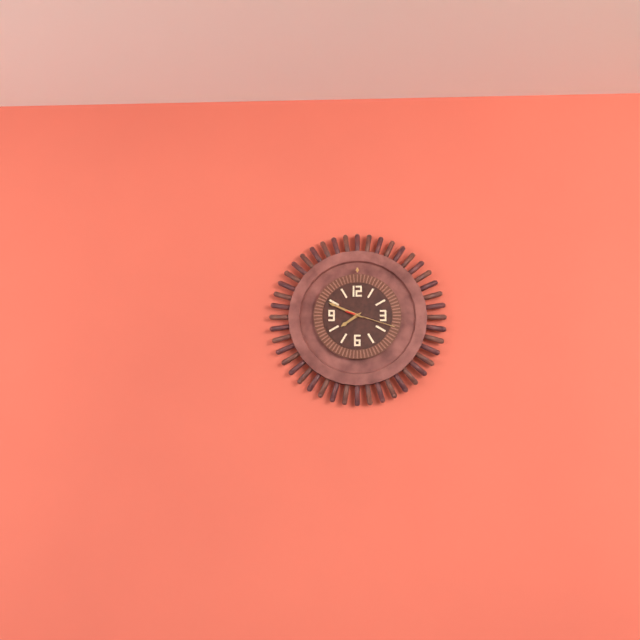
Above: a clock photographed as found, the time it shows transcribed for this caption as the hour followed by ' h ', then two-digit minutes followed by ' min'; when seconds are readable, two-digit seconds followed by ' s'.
7 h 49 min
